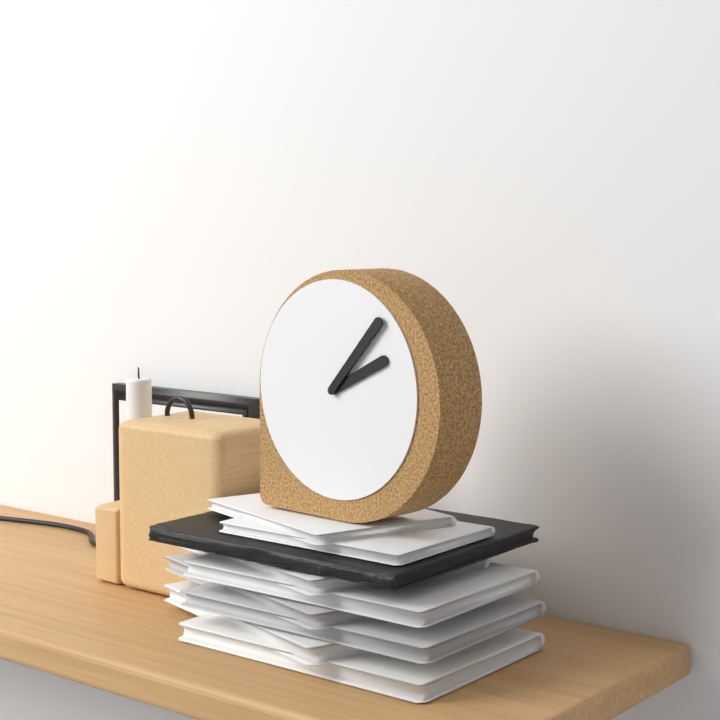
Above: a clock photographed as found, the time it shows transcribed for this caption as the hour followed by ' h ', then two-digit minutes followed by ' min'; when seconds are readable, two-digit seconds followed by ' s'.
2 h 07 min
